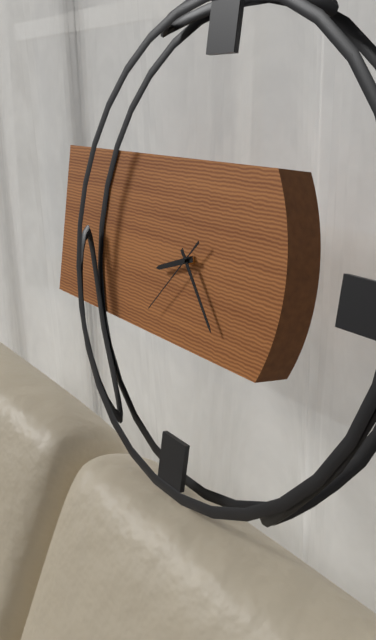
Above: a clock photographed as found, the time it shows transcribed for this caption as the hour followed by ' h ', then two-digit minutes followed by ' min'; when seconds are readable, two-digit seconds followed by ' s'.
8 h 23 min 37 s
